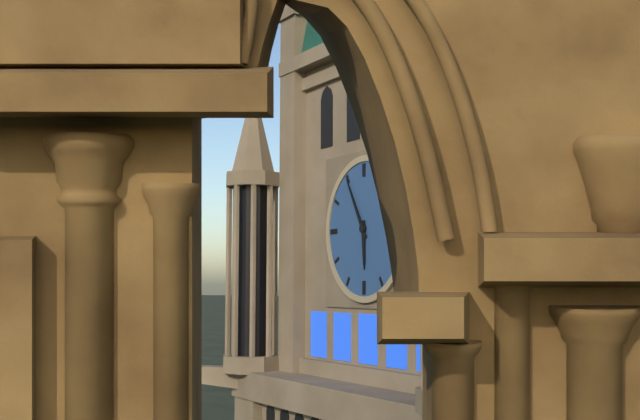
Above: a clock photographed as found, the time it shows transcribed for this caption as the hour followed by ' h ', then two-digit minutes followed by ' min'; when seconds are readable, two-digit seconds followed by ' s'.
5 h 55 min
